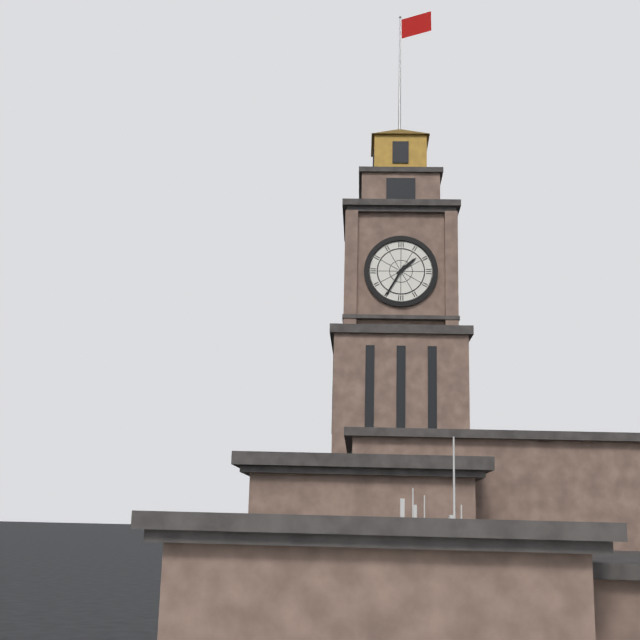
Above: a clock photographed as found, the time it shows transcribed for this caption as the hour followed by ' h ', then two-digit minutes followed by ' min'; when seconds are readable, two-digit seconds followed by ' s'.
1 h 35 min
